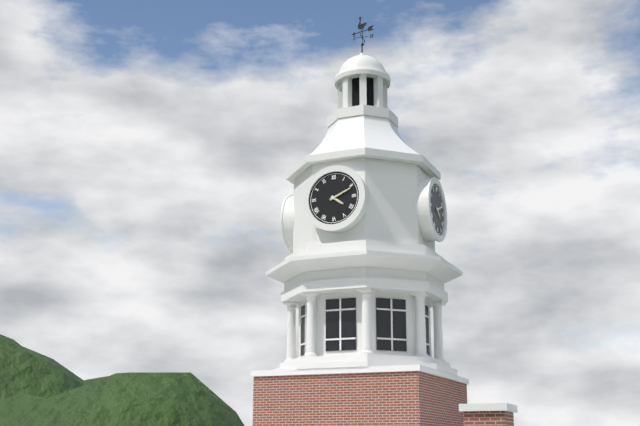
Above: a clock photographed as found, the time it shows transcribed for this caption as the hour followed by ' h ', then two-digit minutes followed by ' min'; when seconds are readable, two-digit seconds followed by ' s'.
4 h 11 min
